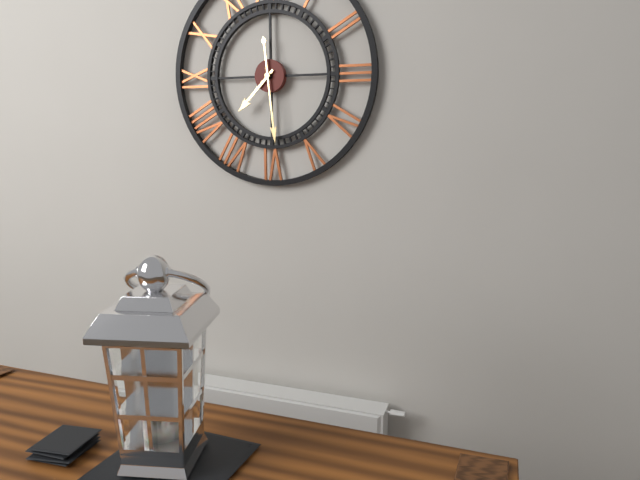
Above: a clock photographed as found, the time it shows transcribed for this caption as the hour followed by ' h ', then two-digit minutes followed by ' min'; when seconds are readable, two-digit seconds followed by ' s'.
7 h 29 min
